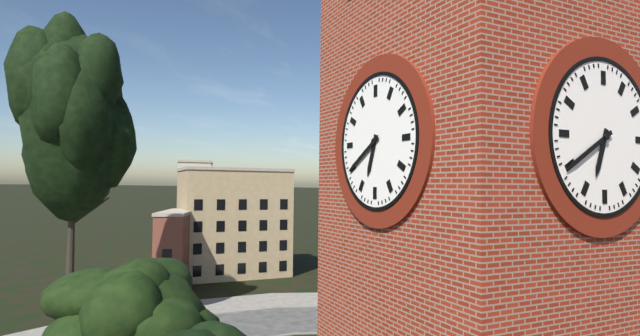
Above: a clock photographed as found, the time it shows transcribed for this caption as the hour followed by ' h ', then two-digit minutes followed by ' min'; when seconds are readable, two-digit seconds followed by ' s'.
6 h 40 min
